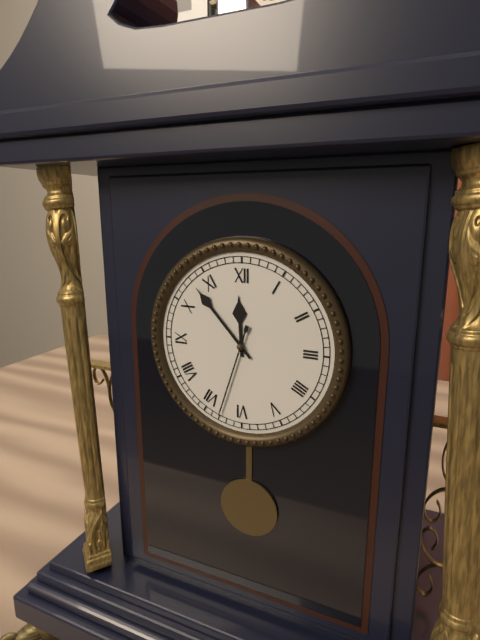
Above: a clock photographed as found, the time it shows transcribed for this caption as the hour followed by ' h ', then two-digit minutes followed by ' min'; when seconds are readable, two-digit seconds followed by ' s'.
11 h 53 min 33 s
